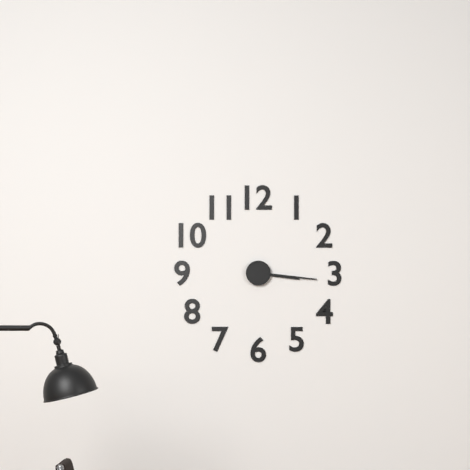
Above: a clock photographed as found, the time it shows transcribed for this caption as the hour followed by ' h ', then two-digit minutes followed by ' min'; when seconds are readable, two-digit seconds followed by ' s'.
3 h 16 min
